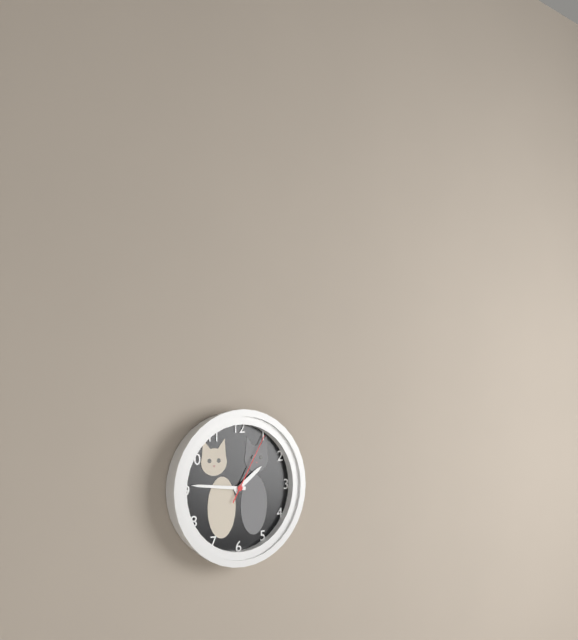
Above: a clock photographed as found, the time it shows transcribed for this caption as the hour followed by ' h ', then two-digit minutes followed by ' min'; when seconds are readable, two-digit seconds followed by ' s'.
1 h 46 min 05 s
